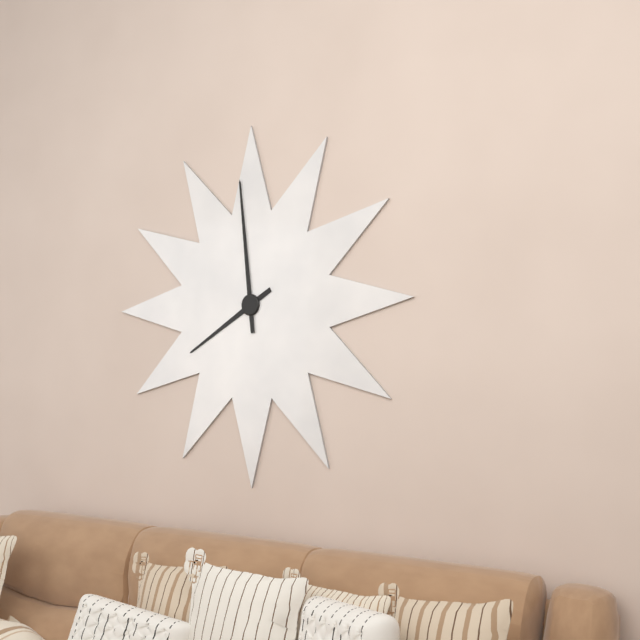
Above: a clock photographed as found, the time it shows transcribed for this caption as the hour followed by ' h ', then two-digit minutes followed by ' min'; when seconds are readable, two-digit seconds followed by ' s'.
7 h 59 min
